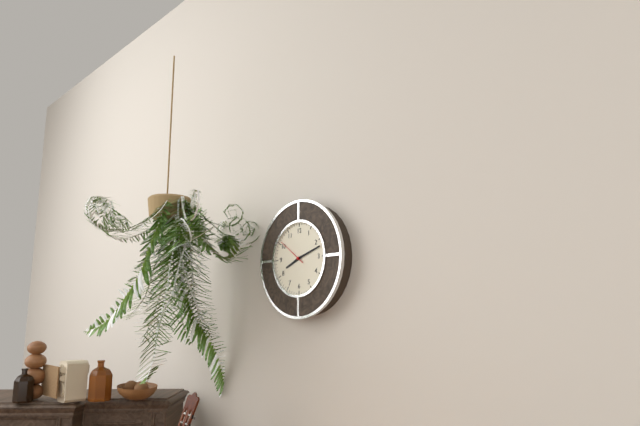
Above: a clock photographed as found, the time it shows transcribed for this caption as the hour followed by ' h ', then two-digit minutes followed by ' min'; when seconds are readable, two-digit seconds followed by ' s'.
8 h 12 min
